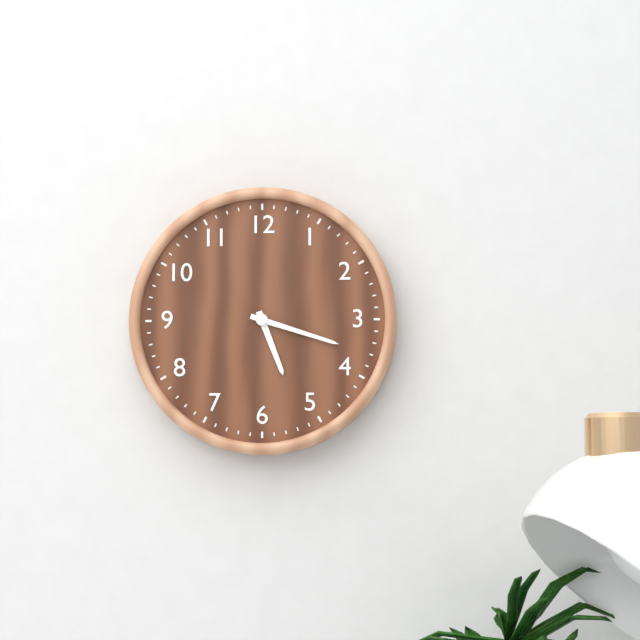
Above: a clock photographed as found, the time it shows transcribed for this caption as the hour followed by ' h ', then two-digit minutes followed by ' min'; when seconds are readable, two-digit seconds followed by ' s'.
5 h 18 min
